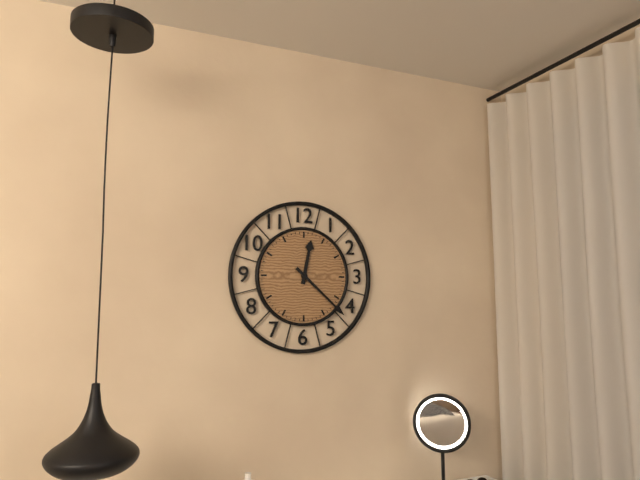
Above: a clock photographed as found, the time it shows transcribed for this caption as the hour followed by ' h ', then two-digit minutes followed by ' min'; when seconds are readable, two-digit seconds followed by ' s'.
12 h 22 min
